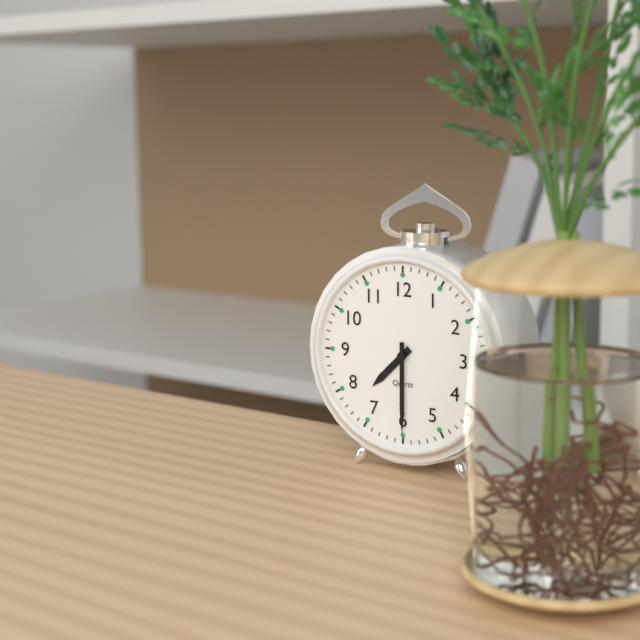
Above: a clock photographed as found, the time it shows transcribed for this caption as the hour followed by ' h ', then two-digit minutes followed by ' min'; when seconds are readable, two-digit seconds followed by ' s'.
7 h 30 min
